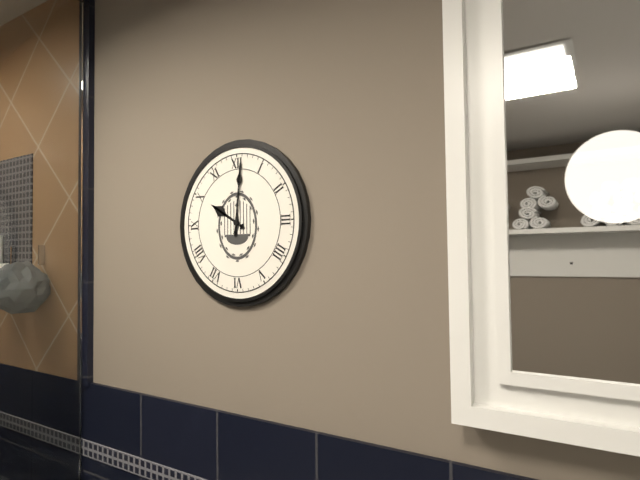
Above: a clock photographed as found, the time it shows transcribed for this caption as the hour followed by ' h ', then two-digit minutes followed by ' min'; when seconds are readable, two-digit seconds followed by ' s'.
10 h 01 min
